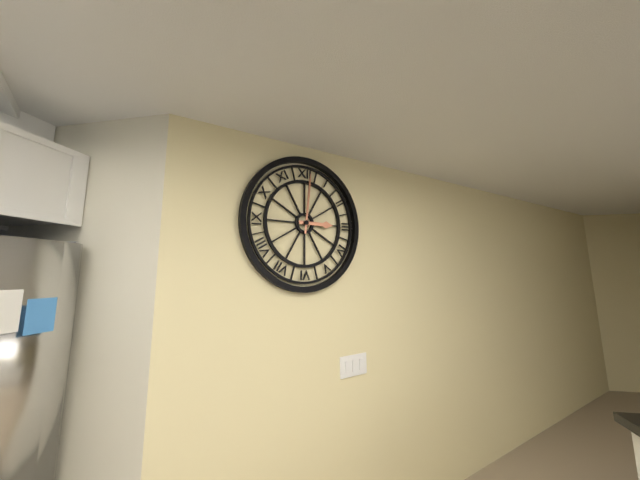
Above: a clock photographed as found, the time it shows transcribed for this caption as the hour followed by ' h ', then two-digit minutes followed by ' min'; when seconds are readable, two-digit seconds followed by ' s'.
3 h 01 min
